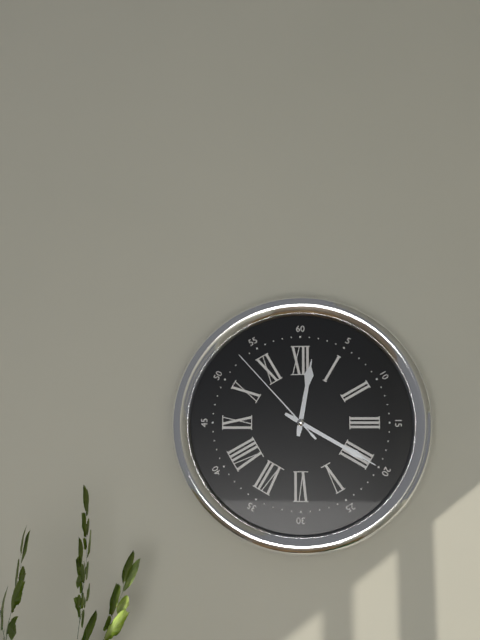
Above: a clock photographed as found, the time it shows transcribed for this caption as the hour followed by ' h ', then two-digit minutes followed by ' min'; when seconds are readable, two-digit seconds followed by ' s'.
12 h 20 min 53 s
